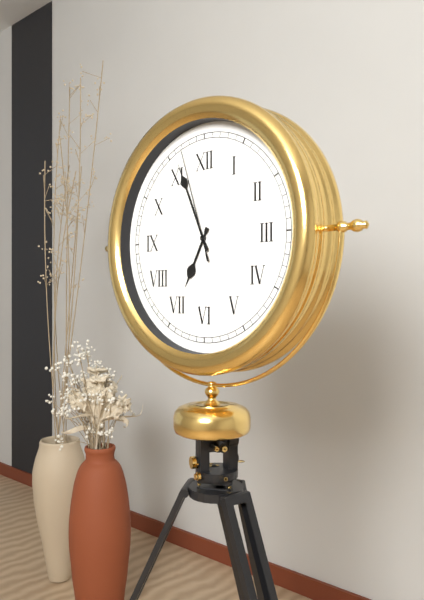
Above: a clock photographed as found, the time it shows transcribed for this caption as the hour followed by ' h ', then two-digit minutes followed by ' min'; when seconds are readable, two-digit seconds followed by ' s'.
6 h 56 min 57 s
